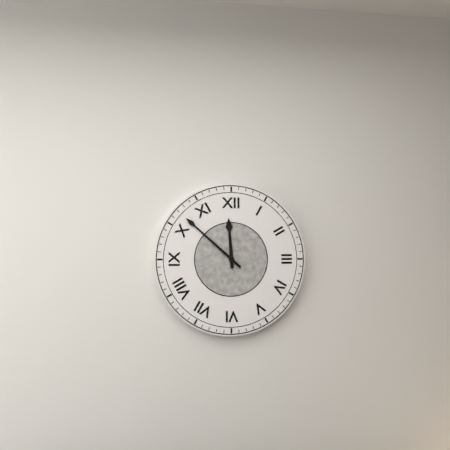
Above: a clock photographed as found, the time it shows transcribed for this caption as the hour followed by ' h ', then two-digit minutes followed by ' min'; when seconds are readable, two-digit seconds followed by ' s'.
11 h 52 min
